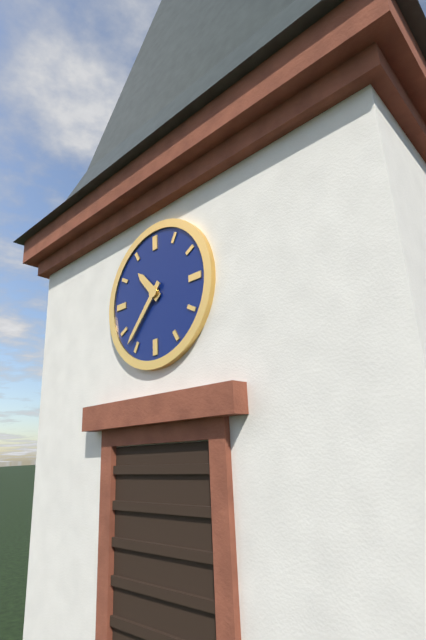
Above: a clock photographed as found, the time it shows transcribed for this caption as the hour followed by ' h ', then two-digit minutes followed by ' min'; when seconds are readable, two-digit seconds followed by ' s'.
10 h 37 min
